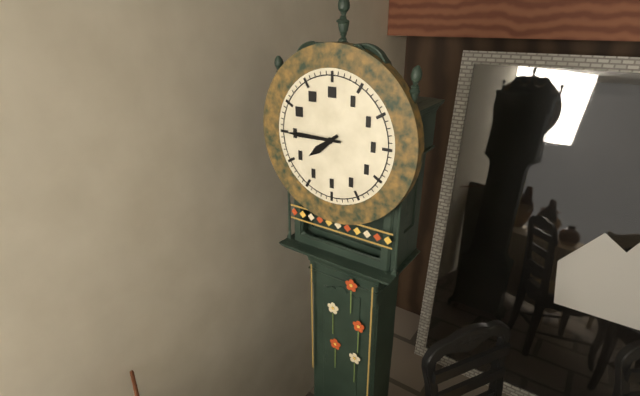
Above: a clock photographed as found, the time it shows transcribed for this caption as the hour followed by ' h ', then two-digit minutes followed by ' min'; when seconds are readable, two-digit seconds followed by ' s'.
7 h 45 min
